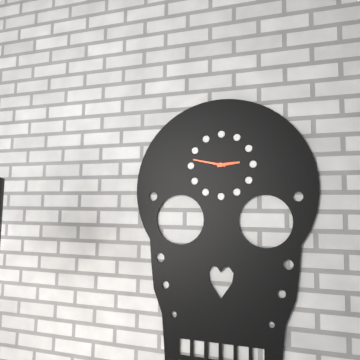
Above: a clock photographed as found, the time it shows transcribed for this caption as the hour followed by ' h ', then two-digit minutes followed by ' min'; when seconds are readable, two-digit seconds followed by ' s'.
2 h 47 min
